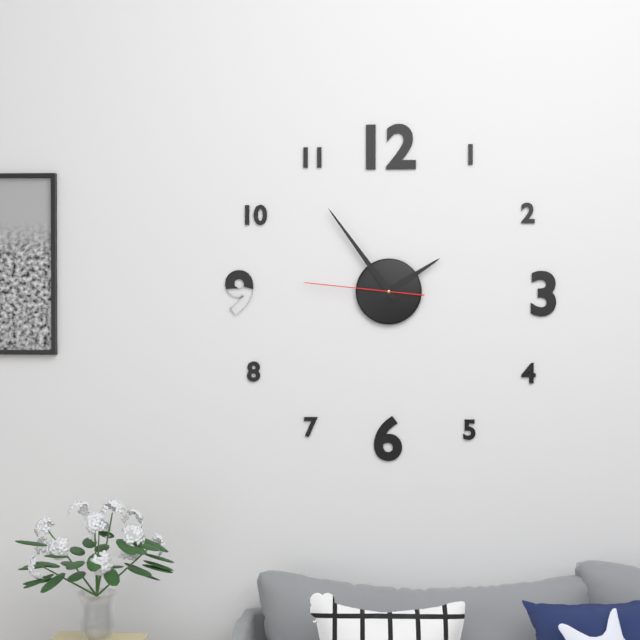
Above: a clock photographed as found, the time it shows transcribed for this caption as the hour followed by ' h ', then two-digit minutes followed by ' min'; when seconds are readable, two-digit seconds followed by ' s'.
1 h 54 min 46 s
